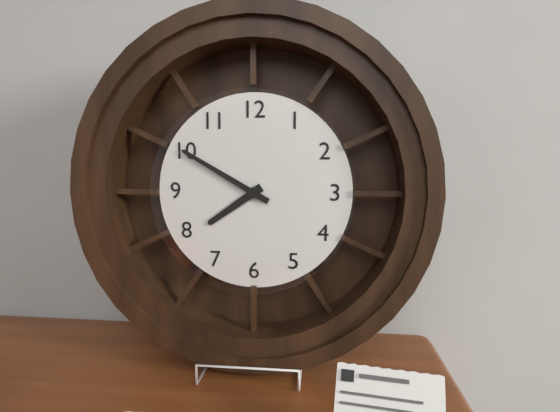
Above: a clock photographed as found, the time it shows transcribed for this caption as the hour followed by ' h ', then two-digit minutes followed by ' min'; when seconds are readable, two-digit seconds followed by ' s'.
7 h 50 min
